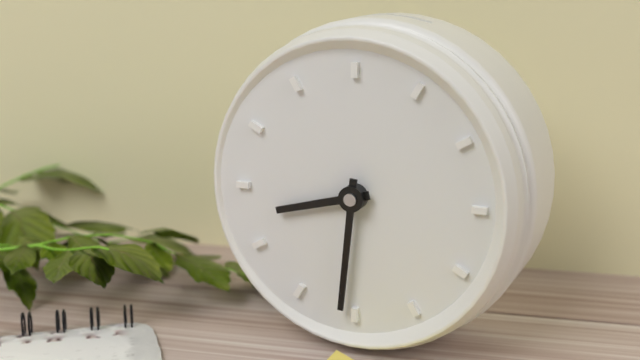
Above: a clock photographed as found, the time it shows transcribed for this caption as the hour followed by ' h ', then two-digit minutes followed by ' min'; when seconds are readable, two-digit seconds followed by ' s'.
8 h 31 min
